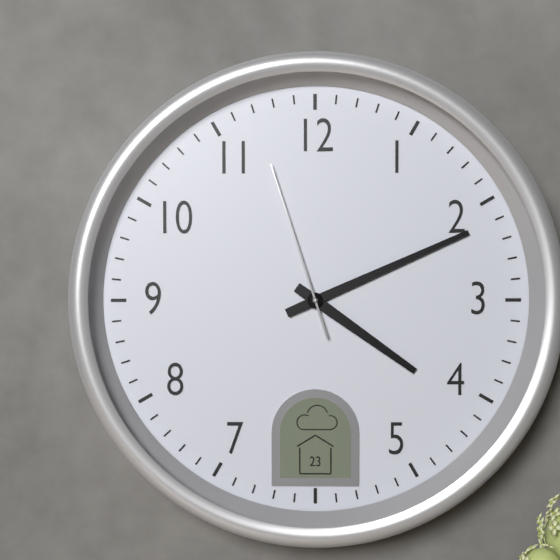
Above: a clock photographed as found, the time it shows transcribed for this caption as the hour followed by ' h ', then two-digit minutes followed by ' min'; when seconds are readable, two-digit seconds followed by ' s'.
4 h 11 min 57 s
